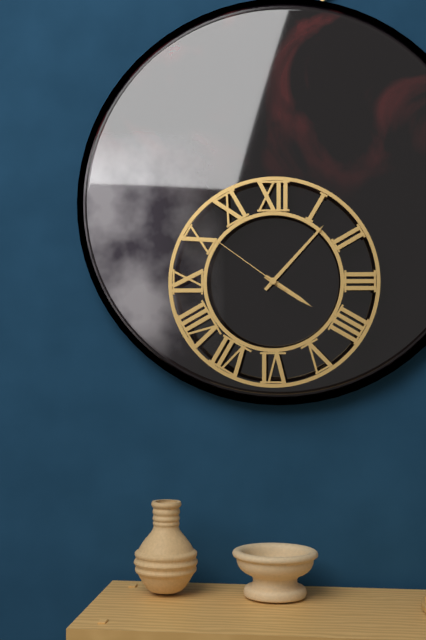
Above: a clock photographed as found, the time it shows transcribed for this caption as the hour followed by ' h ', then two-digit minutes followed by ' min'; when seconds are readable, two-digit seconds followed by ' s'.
4 h 07 min 51 s
